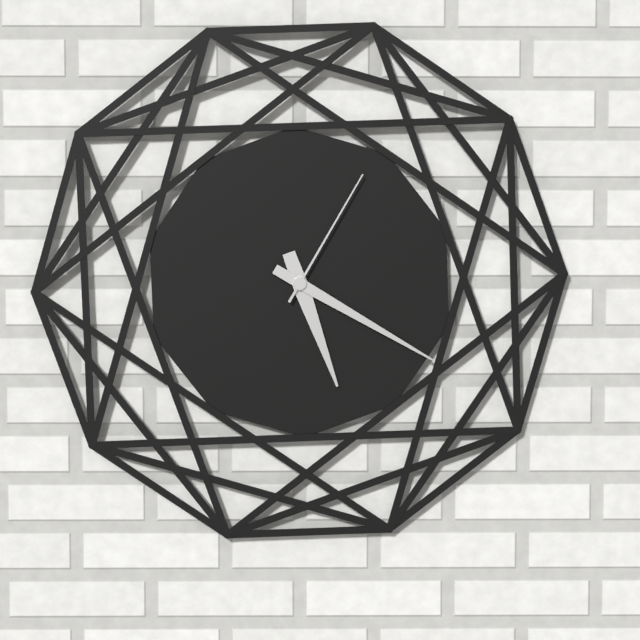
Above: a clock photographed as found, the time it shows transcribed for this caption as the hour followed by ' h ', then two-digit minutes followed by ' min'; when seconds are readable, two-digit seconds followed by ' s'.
5 h 20 min 05 s
